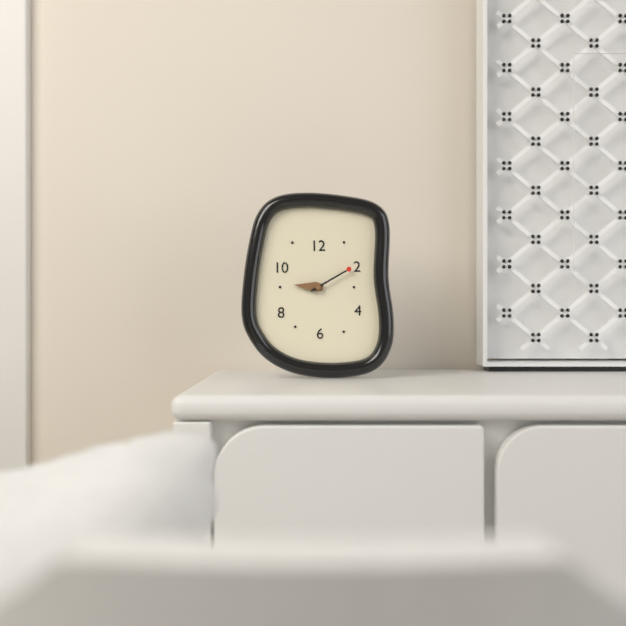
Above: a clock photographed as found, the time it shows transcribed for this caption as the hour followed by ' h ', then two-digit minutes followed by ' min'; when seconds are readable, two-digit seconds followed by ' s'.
9 h 10 min
